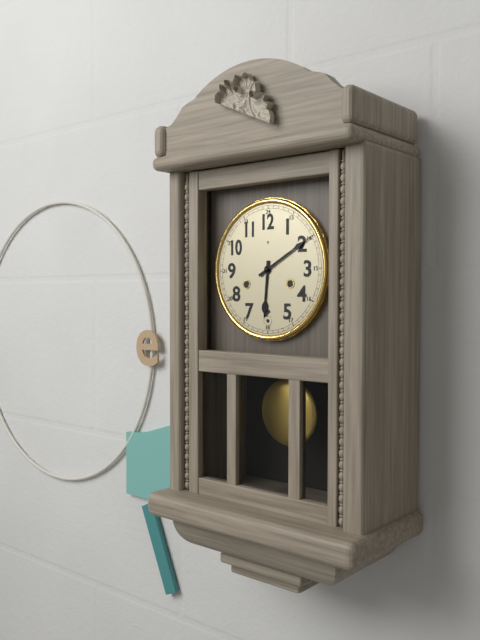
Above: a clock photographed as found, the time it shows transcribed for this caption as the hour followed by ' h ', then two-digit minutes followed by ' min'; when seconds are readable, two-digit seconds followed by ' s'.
6 h 10 min
